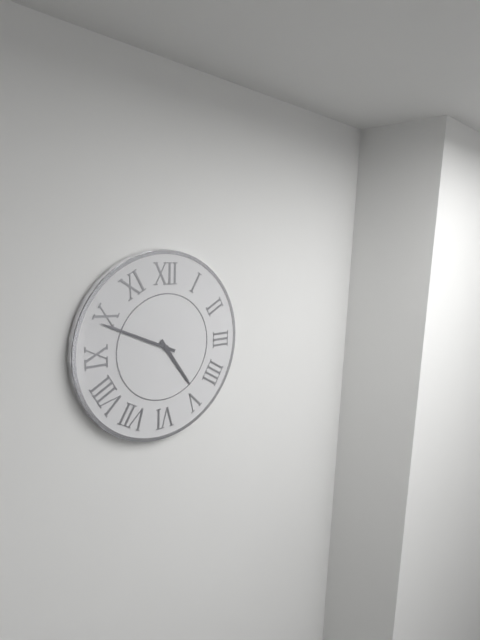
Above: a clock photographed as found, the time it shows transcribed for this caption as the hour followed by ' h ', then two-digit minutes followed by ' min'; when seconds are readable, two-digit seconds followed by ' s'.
4 h 49 min
